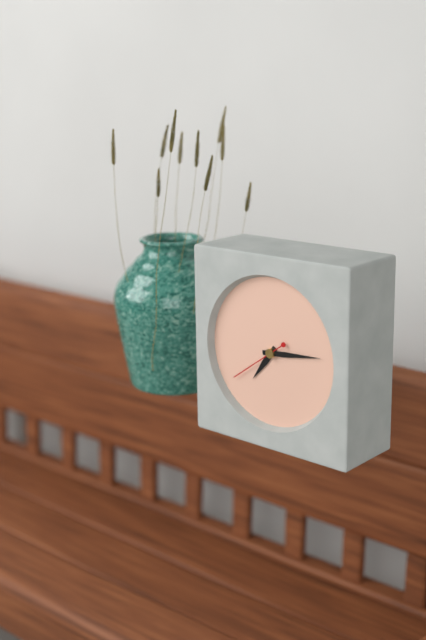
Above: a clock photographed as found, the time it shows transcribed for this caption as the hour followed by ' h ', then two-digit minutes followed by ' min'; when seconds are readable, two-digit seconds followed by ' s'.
7 h 14 min 39 s
